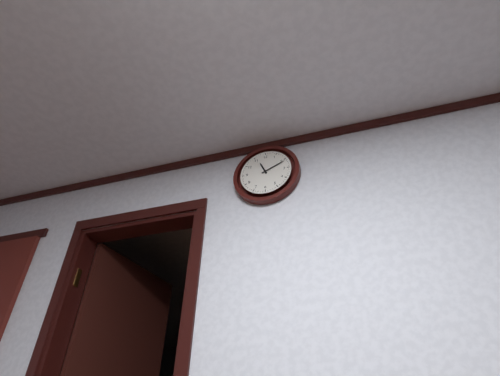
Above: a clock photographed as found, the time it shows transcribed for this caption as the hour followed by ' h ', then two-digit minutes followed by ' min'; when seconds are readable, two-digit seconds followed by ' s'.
11 h 11 min
